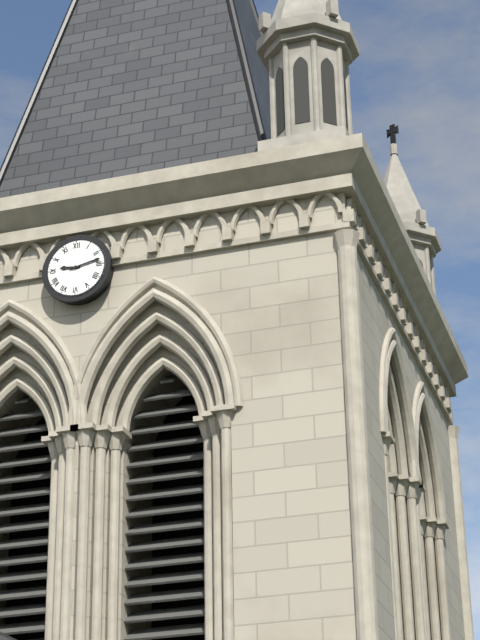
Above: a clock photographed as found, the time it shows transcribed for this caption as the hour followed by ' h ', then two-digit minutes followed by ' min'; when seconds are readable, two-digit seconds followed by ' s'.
9 h 13 min
